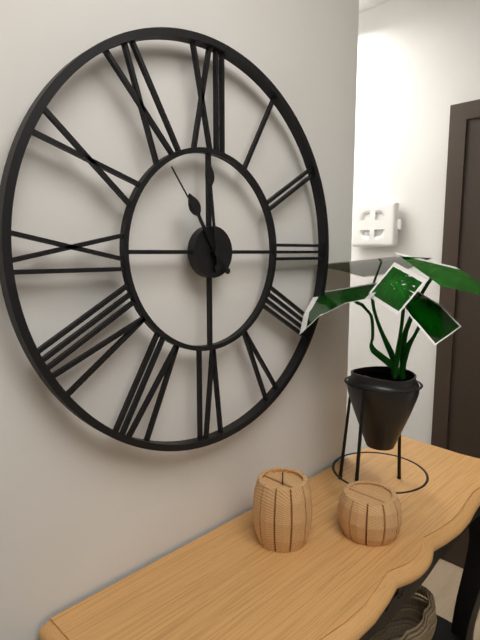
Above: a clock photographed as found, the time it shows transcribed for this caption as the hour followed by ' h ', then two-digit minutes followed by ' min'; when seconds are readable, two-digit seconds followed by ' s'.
10 h 59 min 54 s
